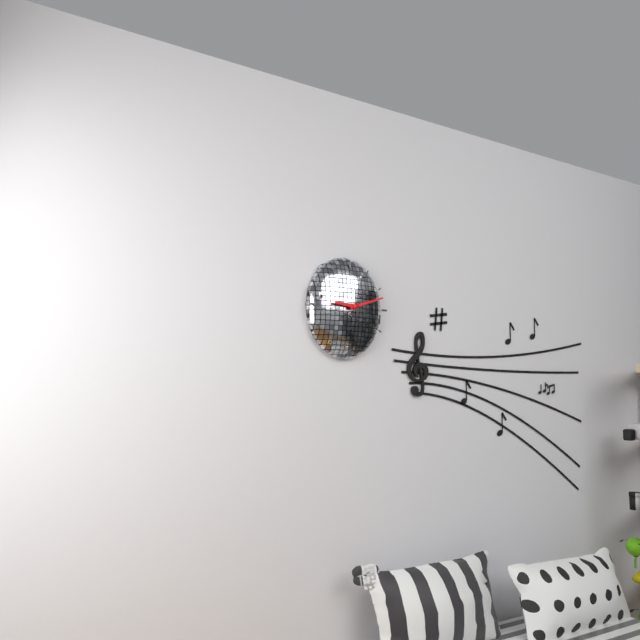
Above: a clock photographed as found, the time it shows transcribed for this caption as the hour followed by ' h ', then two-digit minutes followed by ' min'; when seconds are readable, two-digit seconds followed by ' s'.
9 h 12 min
